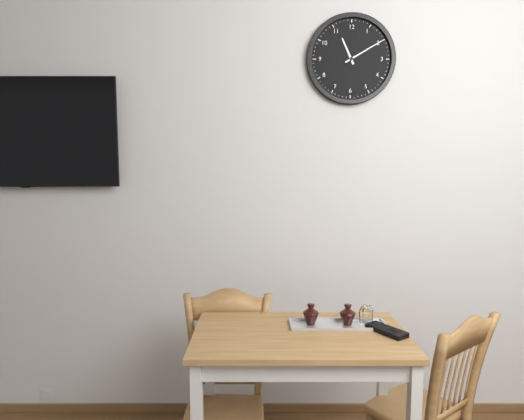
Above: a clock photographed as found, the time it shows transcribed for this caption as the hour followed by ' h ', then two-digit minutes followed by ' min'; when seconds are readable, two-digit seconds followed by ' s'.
11 h 10 min
